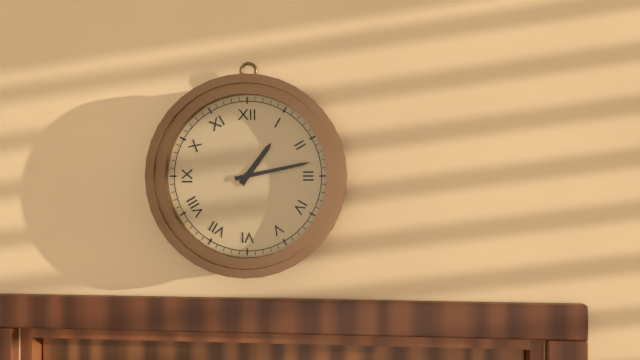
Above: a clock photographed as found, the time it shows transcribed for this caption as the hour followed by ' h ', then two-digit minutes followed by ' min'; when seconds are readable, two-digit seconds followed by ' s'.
1 h 13 min
